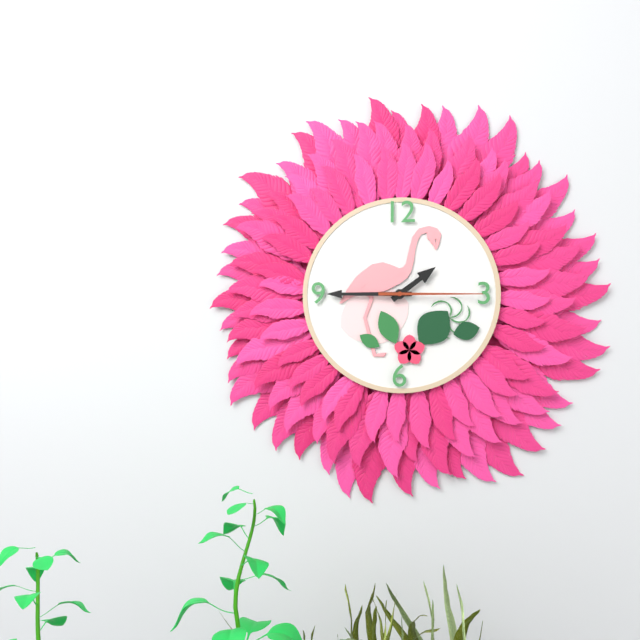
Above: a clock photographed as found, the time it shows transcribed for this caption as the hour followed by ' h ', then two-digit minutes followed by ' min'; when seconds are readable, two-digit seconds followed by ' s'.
1 h 45 min 15 s
